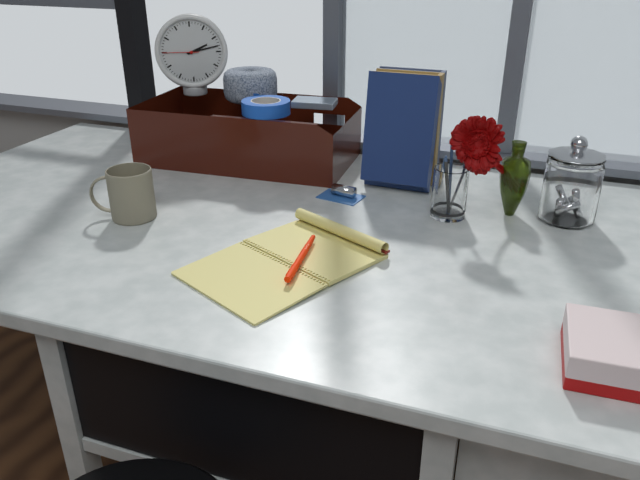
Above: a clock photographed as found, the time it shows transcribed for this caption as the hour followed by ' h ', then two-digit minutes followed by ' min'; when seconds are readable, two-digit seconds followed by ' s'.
2 h 13 min
